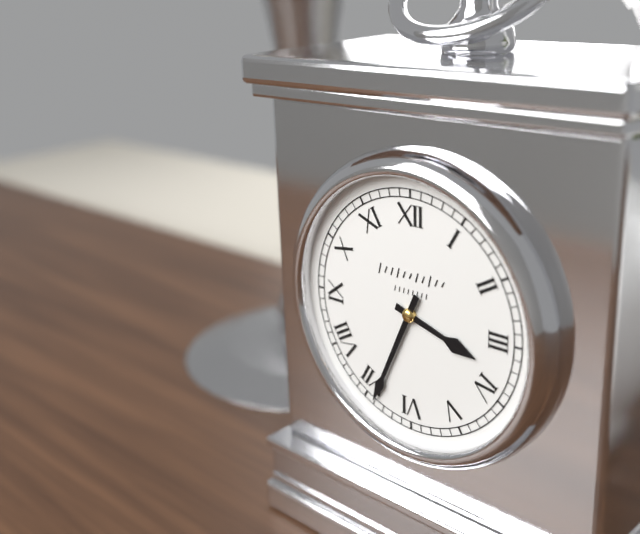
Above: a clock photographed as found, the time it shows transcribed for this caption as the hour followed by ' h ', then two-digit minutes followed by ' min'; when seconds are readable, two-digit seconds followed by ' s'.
3 h 34 min
